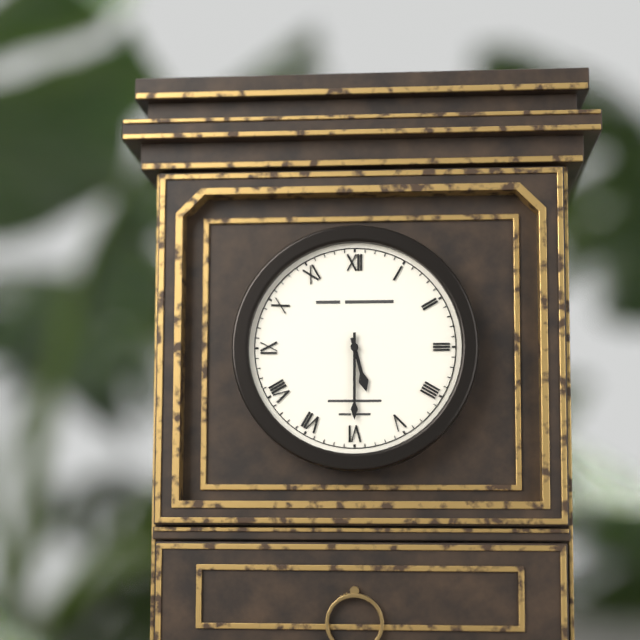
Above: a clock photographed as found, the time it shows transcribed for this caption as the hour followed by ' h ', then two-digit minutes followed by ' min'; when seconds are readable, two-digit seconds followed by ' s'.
5 h 30 min
